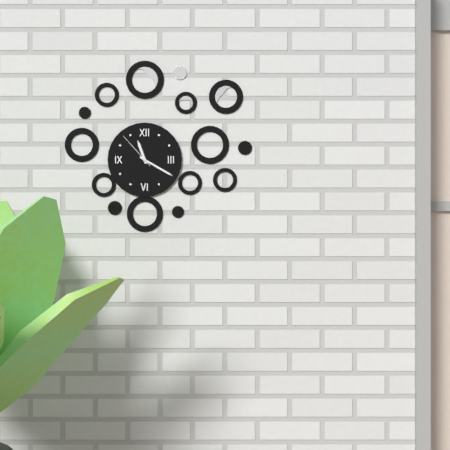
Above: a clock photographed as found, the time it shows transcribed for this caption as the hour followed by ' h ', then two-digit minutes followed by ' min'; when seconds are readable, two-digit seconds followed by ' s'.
11 h 20 min
